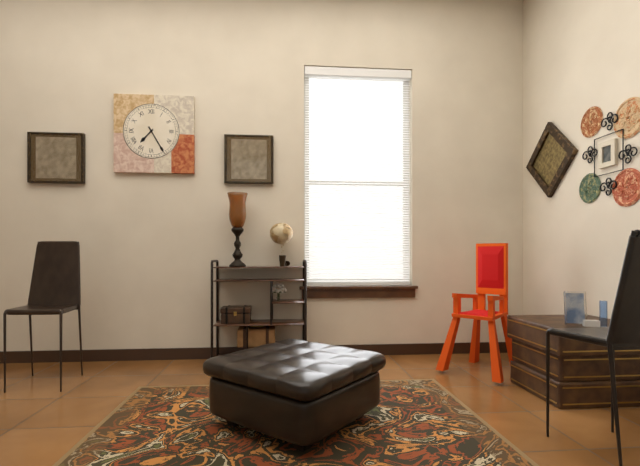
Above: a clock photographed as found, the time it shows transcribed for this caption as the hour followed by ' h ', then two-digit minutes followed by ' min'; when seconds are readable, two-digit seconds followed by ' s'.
7 h 25 min
